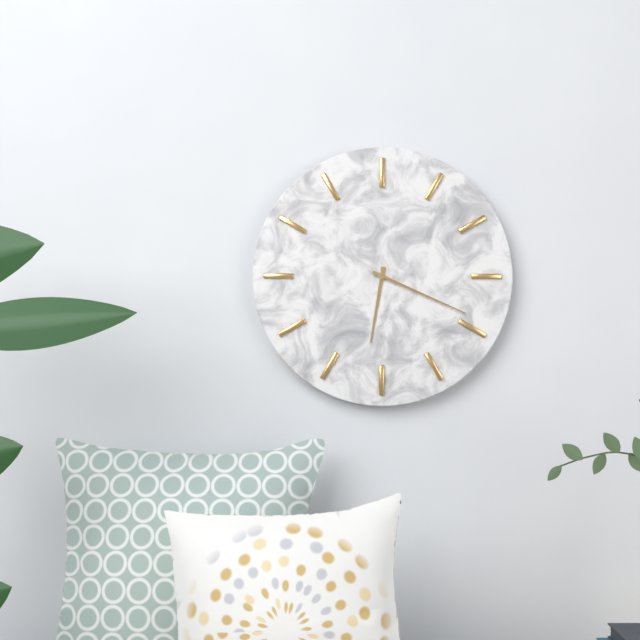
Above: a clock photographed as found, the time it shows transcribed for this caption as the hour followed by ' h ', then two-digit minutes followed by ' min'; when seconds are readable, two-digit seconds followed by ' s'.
6 h 19 min
